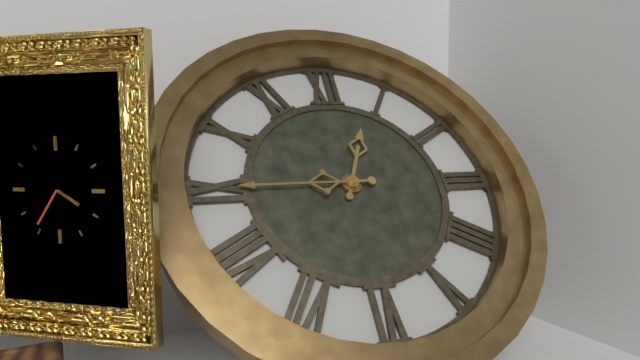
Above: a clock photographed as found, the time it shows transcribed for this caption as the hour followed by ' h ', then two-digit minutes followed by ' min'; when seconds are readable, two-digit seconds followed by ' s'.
12 h 45 min
